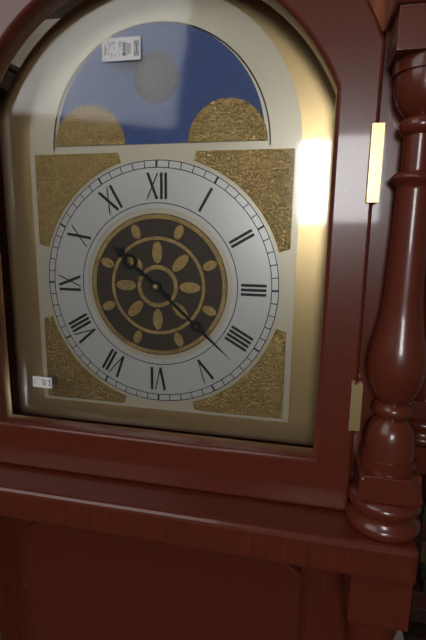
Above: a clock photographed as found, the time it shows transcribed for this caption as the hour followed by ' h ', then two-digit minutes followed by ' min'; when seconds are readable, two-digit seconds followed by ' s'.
10 h 22 min
